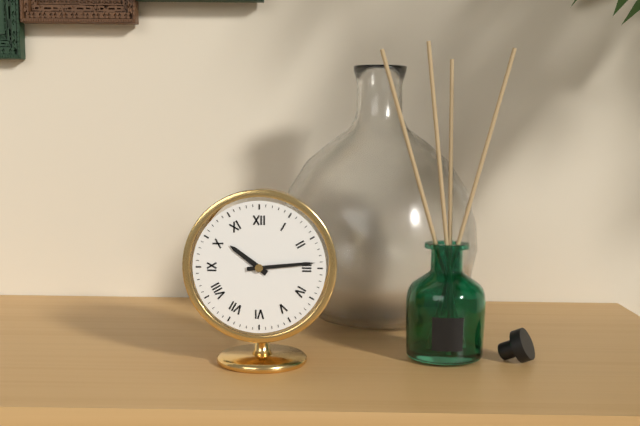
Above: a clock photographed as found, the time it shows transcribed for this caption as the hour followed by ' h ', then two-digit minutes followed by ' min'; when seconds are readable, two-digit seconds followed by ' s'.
10 h 14 min
